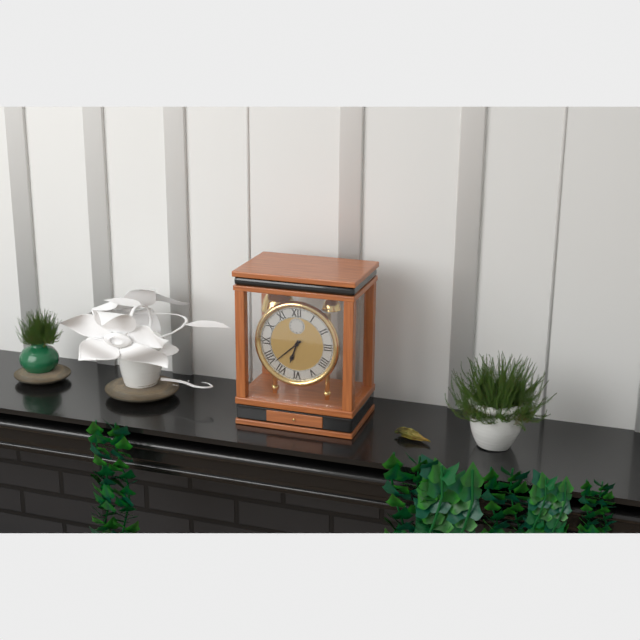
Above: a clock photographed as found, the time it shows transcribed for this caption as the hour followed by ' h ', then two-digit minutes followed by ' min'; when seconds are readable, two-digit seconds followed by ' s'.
6 h 38 min
